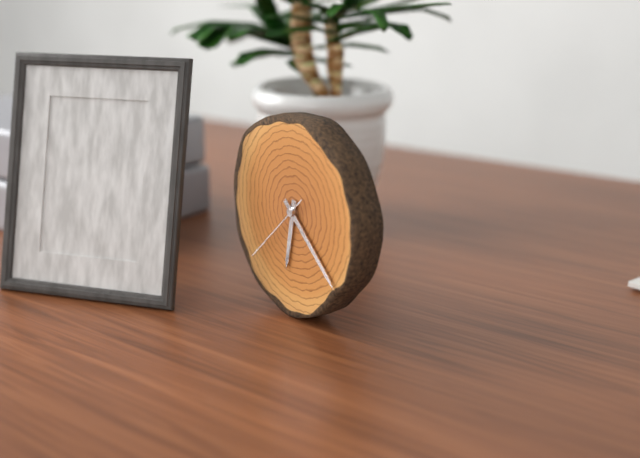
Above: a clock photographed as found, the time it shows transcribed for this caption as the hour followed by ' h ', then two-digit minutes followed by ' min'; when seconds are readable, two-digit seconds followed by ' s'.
6 h 22 min 38 s
